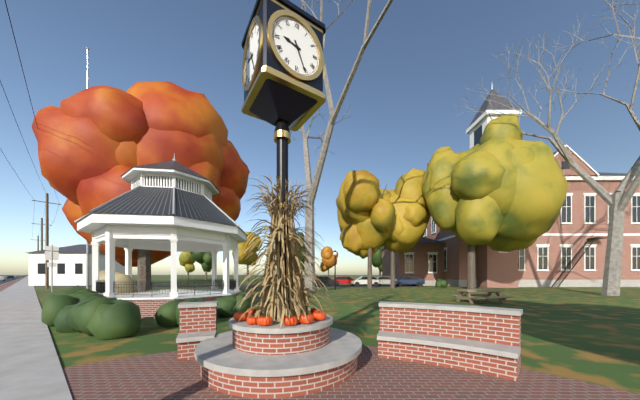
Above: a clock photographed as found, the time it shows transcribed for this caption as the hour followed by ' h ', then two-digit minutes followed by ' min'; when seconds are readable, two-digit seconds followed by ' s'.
9 h 26 min
